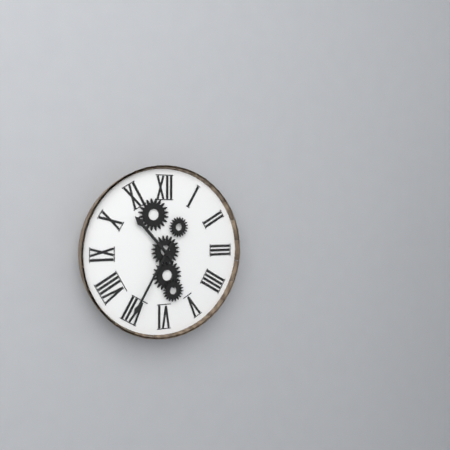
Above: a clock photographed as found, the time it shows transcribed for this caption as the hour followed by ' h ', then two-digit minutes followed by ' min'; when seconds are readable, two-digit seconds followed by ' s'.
10 h 35 min
